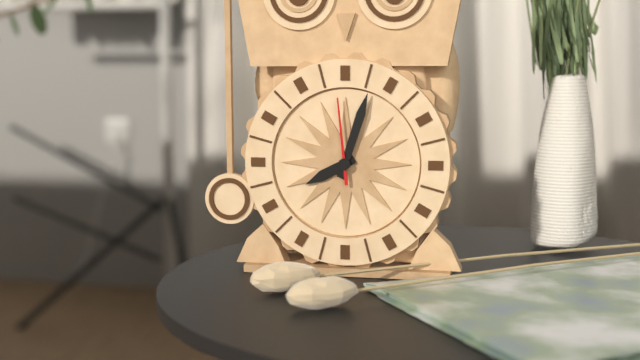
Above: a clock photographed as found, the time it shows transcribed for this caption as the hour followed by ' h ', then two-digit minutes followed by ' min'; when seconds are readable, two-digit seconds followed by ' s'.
8 h 03 min 59 s
